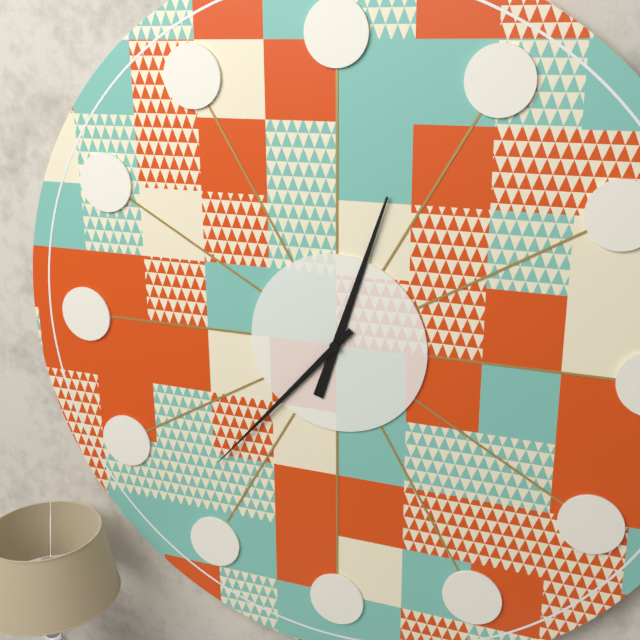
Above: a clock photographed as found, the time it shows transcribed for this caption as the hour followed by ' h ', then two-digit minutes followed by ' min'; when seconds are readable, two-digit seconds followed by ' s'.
12 h 37 min
